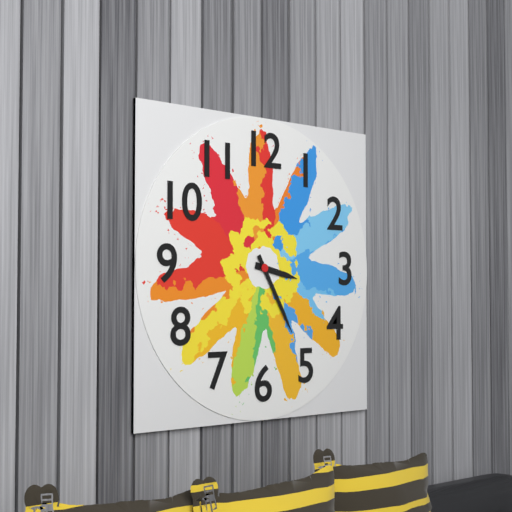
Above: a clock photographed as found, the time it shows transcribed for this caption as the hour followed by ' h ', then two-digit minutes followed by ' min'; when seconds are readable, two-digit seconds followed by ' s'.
3 h 25 min
